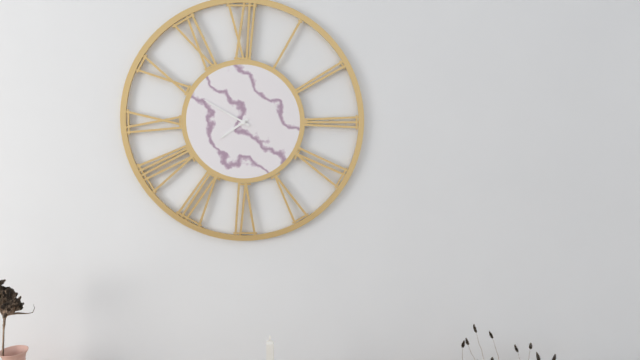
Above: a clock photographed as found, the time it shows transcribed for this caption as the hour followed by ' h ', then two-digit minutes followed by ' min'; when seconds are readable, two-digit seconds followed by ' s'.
7 h 50 min
